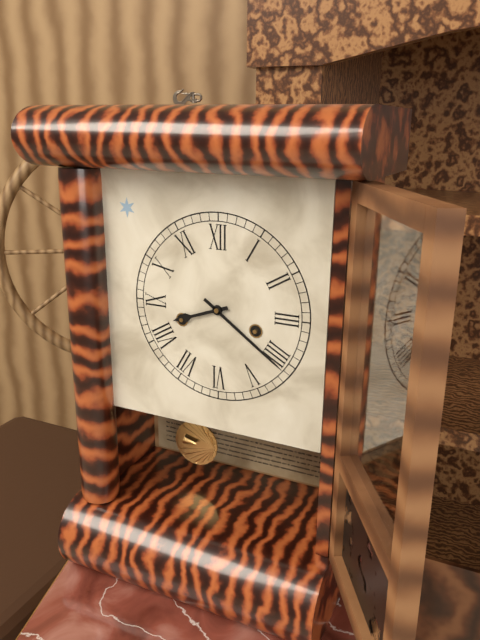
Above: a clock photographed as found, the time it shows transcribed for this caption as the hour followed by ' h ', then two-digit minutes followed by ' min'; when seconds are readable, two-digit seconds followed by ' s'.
8 h 21 min
